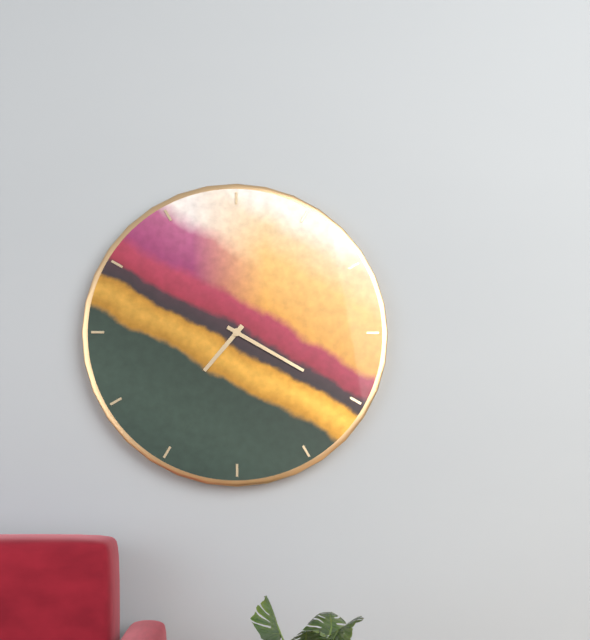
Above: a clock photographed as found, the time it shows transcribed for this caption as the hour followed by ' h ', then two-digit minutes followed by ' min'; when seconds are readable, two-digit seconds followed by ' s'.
7 h 20 min
